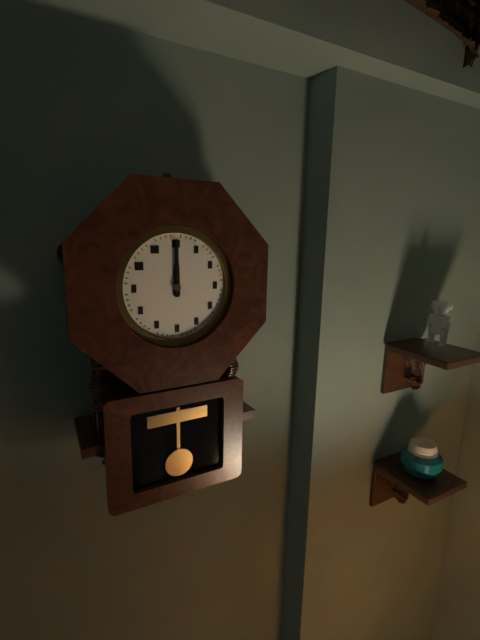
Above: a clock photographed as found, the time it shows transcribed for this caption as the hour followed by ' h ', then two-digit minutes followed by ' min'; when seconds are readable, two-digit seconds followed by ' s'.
12 h 00 min
